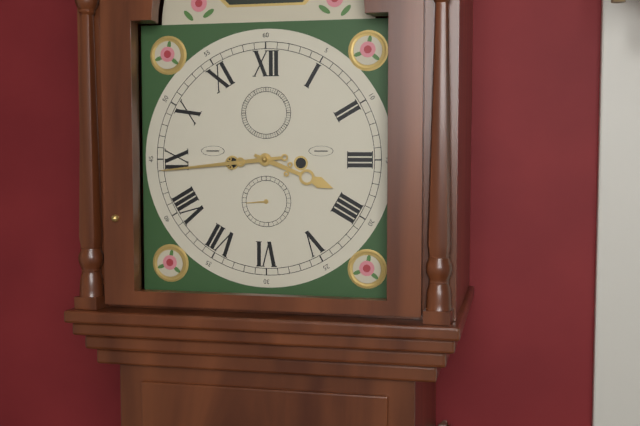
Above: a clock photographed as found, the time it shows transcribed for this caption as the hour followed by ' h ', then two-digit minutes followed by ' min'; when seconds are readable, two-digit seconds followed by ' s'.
3 h 44 min
